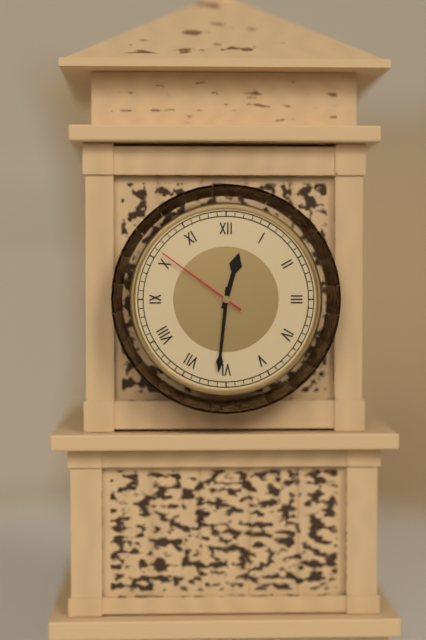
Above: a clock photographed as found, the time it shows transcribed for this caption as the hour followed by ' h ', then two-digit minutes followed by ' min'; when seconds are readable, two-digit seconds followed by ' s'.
12 h 31 min 51 s
